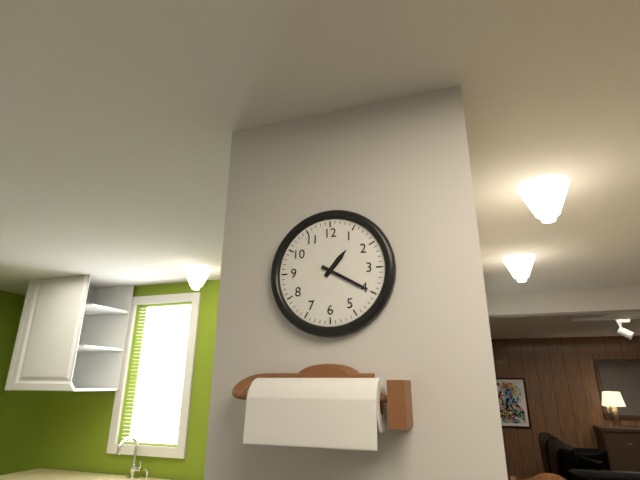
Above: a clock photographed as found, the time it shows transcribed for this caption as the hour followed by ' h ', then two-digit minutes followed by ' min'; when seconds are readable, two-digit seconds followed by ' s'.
1 h 20 min
